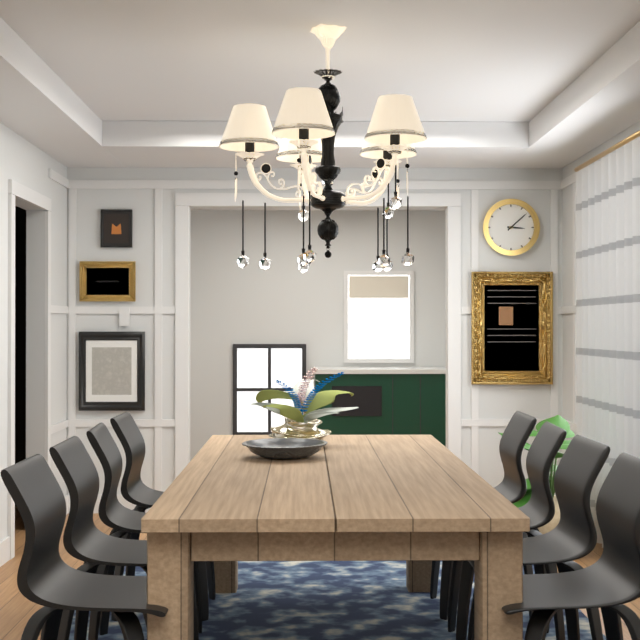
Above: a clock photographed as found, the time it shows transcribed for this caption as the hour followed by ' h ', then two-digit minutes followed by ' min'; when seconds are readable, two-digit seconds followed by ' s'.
3 h 08 min
